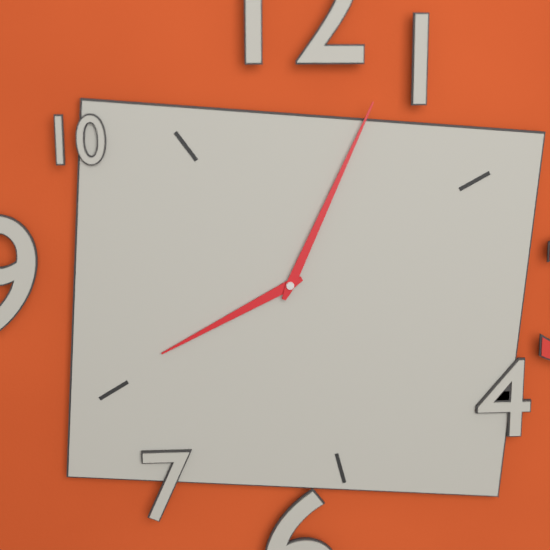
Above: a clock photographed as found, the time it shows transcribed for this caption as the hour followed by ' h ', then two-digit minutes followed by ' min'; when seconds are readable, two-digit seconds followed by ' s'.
8 h 04 min
